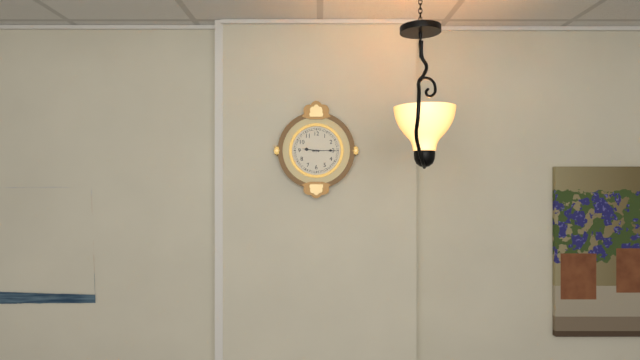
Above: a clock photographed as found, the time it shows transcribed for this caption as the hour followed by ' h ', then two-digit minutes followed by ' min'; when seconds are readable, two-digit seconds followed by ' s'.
9 h 15 min
